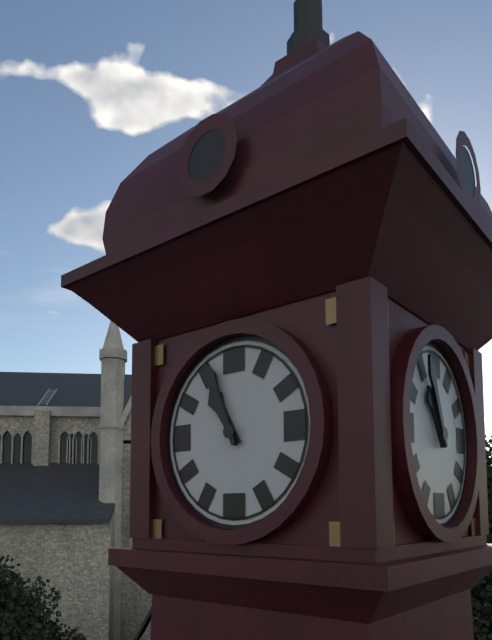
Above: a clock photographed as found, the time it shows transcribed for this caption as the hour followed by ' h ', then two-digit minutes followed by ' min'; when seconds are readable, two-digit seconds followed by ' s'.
10 h 56 min
